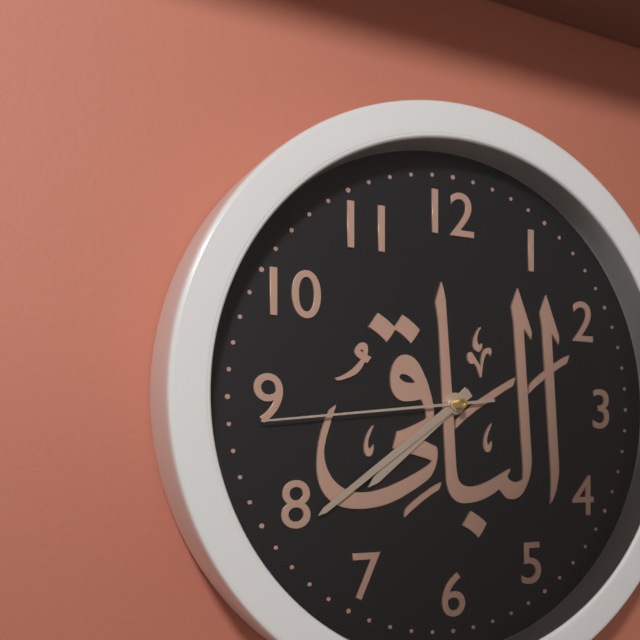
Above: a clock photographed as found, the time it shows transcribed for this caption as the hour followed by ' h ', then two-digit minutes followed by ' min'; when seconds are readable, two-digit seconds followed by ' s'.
7 h 39 min 44 s
